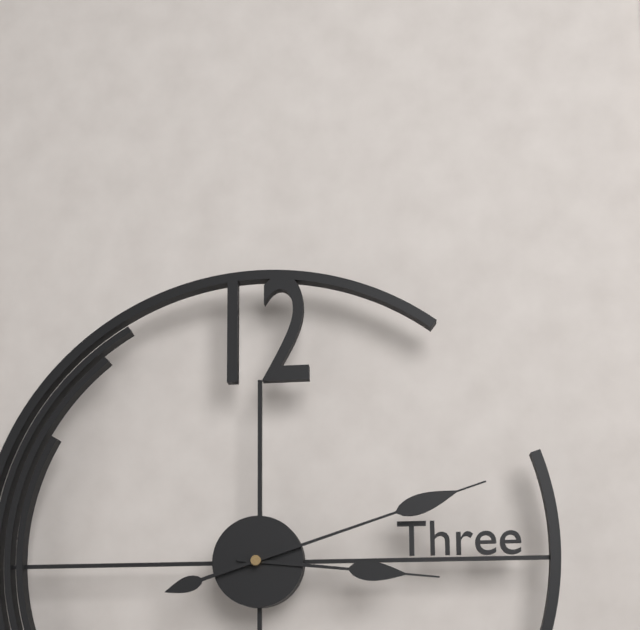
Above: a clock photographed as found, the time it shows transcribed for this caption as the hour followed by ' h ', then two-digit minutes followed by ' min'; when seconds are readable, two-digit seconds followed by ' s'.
3 h 12 min
